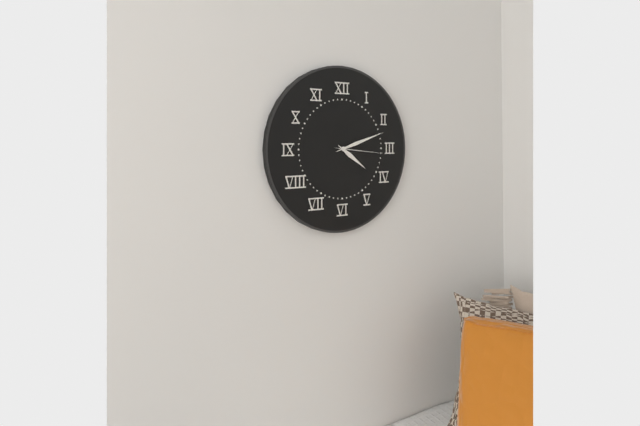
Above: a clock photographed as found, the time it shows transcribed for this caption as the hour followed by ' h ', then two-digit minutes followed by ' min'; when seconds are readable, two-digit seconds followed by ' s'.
4 h 12 min 16 s
